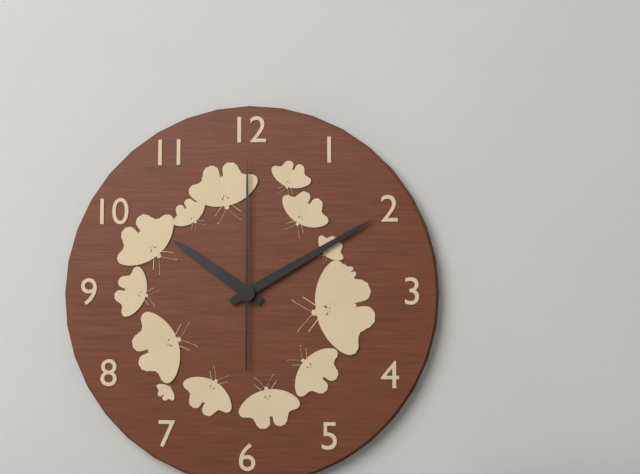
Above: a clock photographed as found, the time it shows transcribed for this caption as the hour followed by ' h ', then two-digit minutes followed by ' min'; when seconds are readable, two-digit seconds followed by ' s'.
10 h 10 min 00 s
